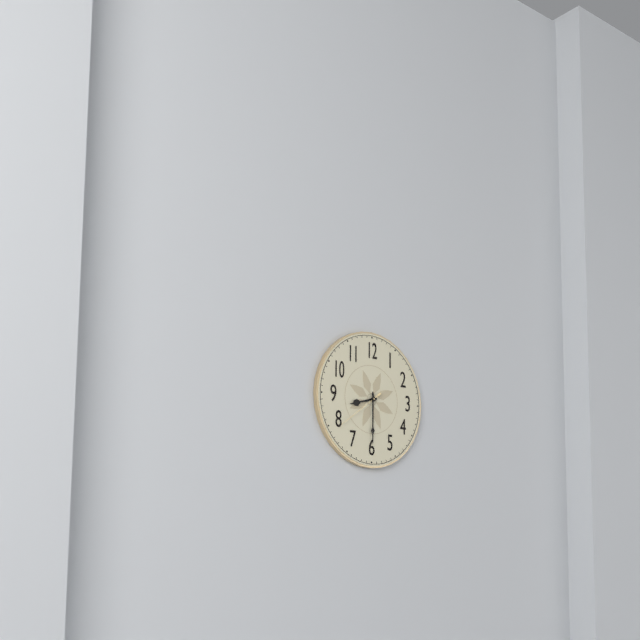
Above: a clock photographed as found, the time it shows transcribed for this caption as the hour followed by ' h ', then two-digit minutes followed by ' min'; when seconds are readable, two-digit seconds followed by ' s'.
8 h 30 min 39 s
